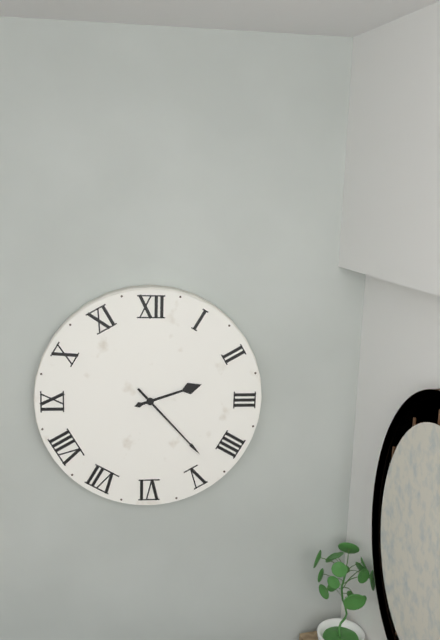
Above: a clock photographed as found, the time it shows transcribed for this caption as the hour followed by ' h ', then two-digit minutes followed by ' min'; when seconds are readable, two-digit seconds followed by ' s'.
2 h 23 min
